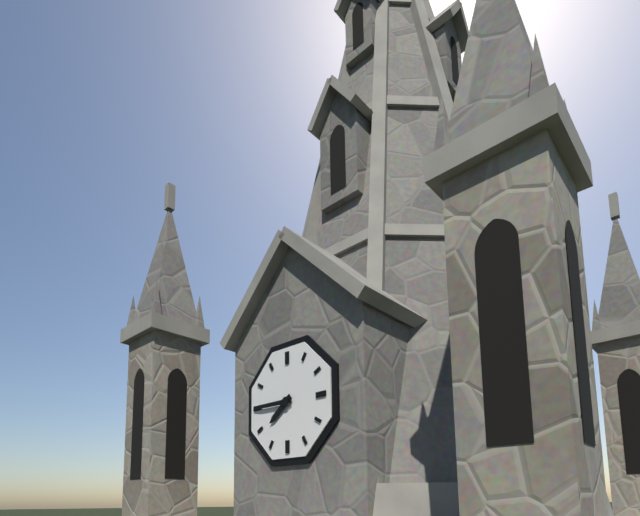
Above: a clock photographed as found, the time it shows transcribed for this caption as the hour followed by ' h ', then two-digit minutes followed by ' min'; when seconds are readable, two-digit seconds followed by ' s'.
7 h 45 min
